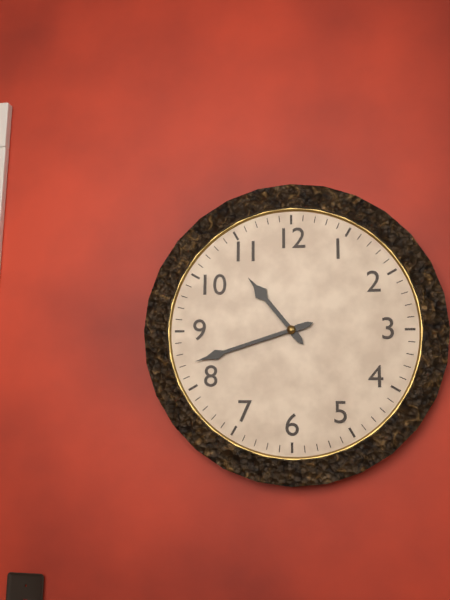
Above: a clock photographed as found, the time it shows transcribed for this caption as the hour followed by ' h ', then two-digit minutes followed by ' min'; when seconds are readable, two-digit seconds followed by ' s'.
10 h 42 min
